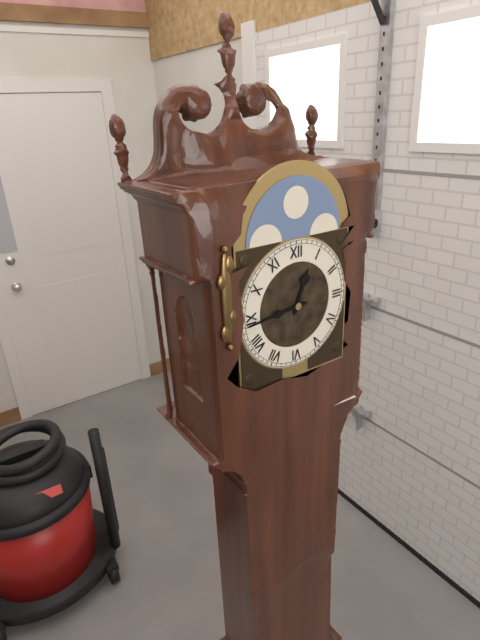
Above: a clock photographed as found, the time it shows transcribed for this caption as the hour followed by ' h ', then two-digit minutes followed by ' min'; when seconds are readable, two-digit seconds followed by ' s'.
12 h 44 min
